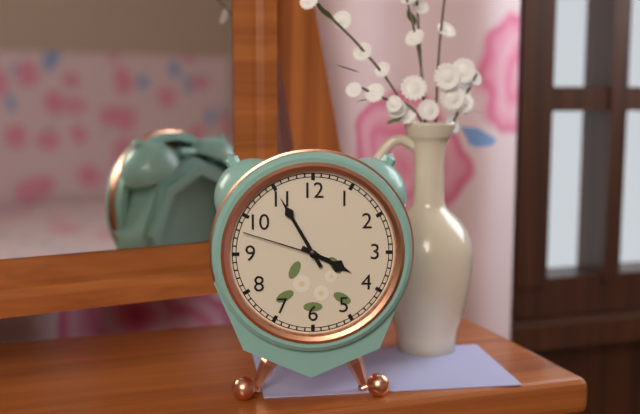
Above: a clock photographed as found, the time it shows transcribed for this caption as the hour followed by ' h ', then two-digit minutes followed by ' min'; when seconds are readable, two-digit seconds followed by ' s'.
3 h 55 min 48 s
